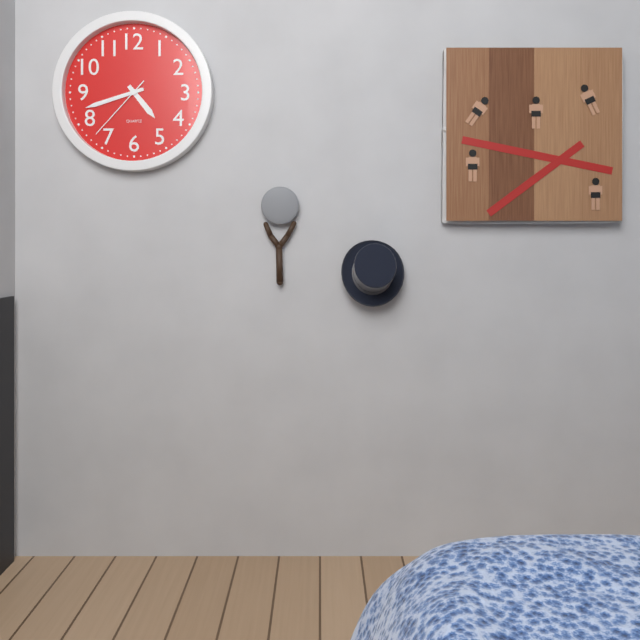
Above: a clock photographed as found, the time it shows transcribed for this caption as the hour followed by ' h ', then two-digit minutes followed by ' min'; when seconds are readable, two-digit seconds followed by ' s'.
4 h 42 min 37 s
